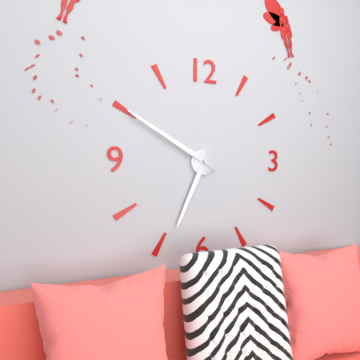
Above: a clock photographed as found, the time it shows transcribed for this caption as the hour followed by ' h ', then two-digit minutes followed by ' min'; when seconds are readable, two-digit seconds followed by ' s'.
6 h 50 min
